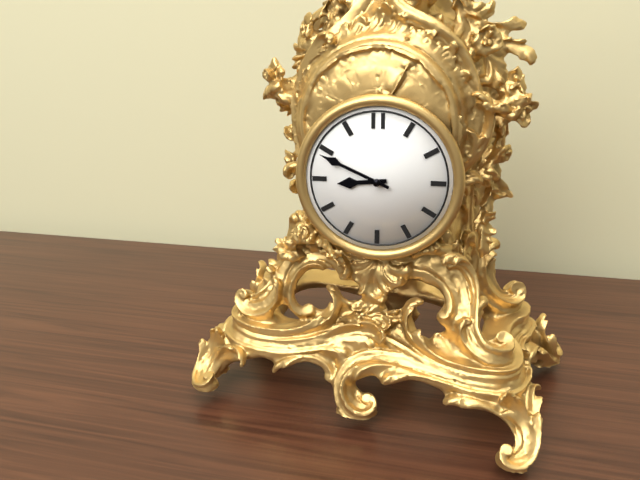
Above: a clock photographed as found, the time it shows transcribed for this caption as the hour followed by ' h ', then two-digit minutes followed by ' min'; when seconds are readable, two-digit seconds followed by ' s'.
8 h 49 min
